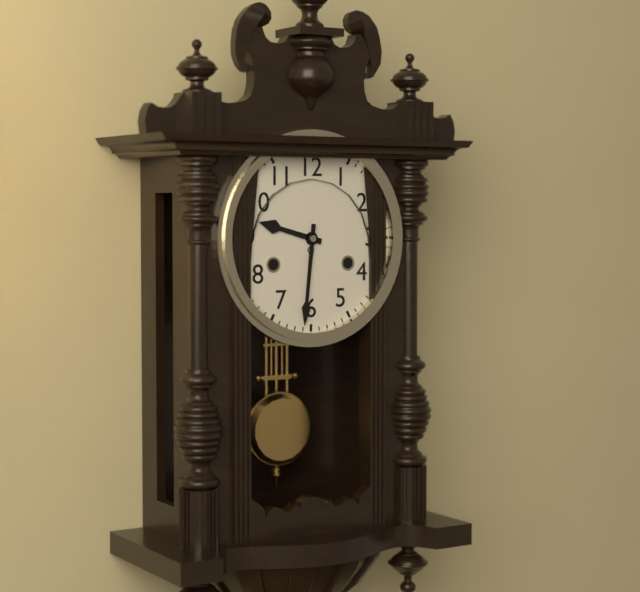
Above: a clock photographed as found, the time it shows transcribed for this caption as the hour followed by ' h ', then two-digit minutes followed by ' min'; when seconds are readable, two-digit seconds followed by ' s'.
9 h 31 min
